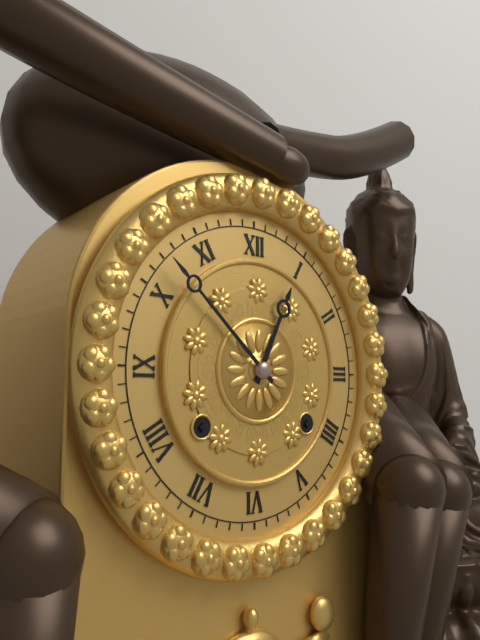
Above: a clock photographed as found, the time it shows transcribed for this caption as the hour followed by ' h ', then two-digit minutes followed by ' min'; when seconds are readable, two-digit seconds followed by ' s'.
12 h 52 min
